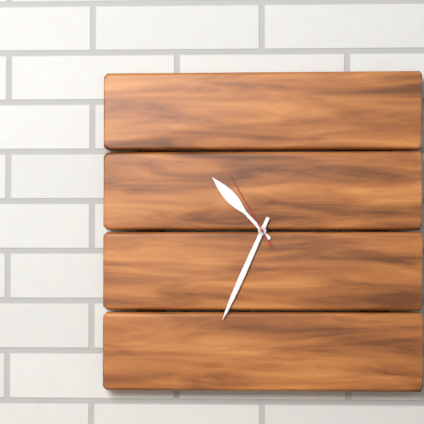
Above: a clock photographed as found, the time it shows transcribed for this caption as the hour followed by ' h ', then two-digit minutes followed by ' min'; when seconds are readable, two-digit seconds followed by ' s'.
10 h 34 min 55 s
